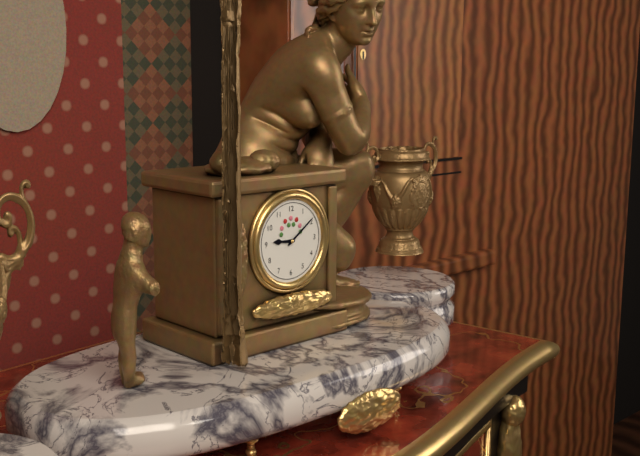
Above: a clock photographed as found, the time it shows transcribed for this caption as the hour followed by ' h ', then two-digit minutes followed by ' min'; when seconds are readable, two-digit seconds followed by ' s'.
9 h 09 min
